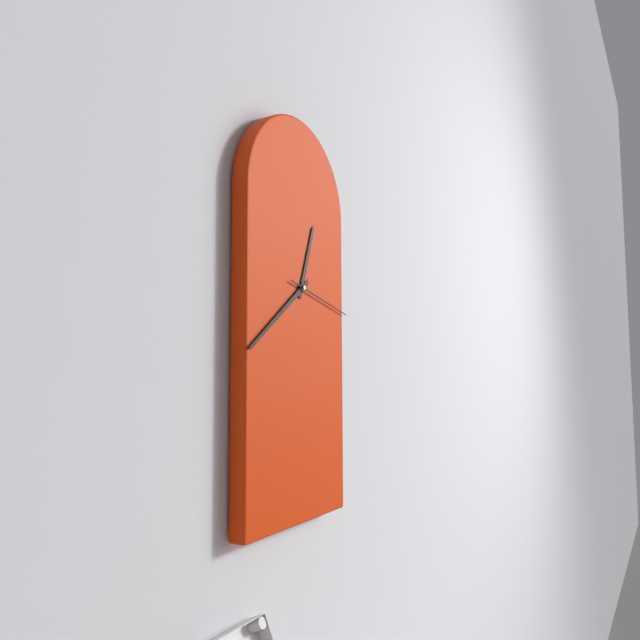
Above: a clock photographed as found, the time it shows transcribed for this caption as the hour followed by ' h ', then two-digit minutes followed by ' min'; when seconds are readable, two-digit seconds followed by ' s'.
12 h 39 min 17 s
